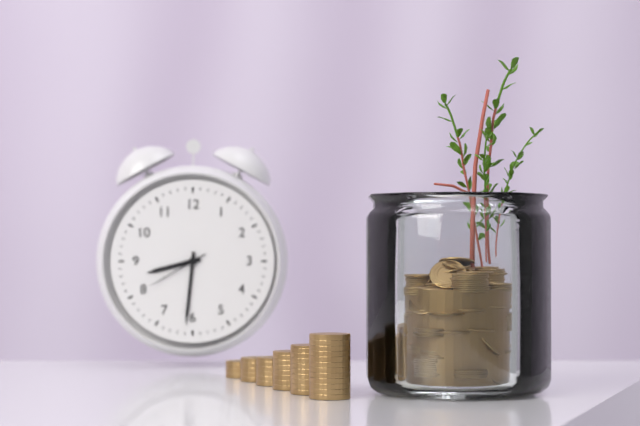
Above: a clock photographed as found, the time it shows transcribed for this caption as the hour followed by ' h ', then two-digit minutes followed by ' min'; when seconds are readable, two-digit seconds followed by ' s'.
8 h 31 min 40 s
